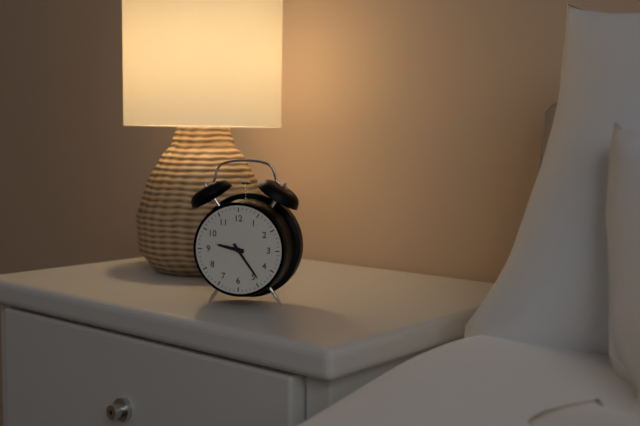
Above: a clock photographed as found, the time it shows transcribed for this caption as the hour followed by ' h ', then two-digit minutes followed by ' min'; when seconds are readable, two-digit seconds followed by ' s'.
9 h 24 min
